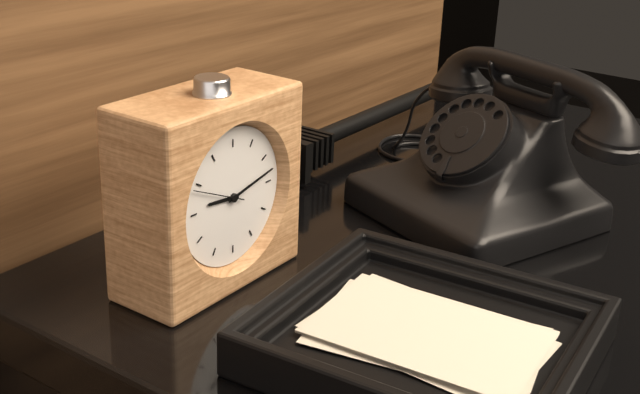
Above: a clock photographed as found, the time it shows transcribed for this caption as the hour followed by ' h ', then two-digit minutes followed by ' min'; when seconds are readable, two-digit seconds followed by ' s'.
9 h 13 min
